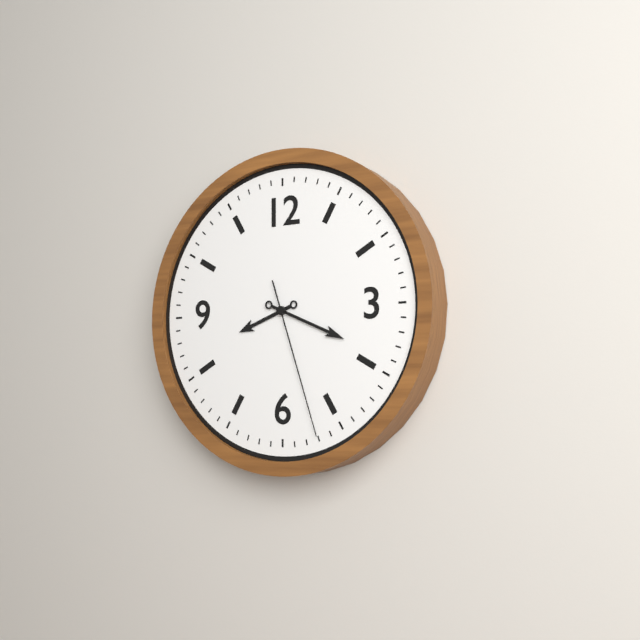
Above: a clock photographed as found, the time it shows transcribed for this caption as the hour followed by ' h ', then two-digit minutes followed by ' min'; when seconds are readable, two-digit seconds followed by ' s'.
8 h 19 min 27 s
